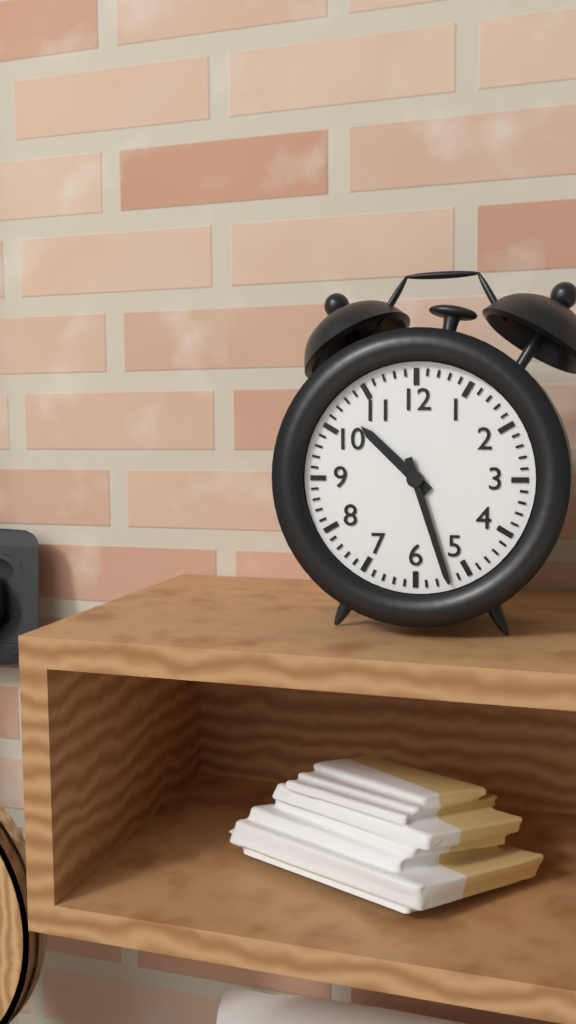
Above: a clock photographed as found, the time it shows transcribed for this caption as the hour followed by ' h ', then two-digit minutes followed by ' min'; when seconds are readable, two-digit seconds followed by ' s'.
10 h 27 min
